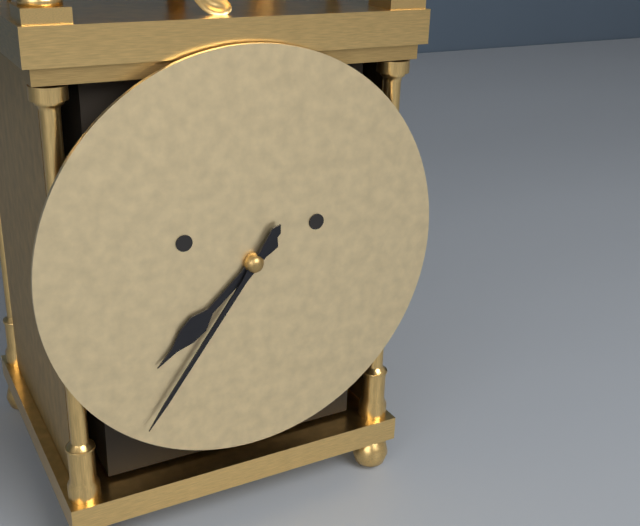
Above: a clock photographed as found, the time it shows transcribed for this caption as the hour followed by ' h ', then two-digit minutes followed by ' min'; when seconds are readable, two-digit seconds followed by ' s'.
7 h 36 min
